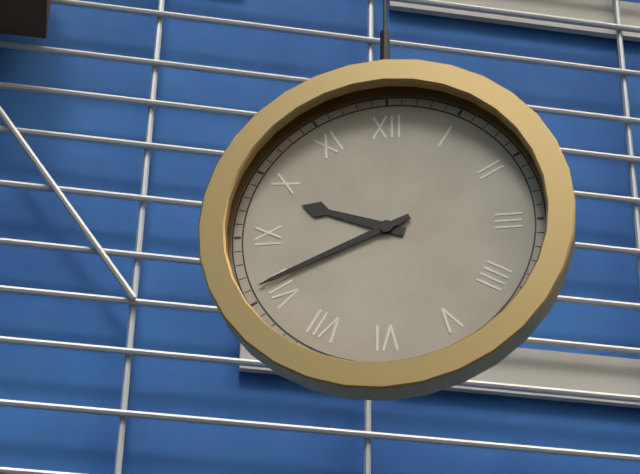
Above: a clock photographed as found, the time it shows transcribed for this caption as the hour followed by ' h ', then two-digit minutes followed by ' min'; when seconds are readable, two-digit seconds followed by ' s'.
9 h 41 min
